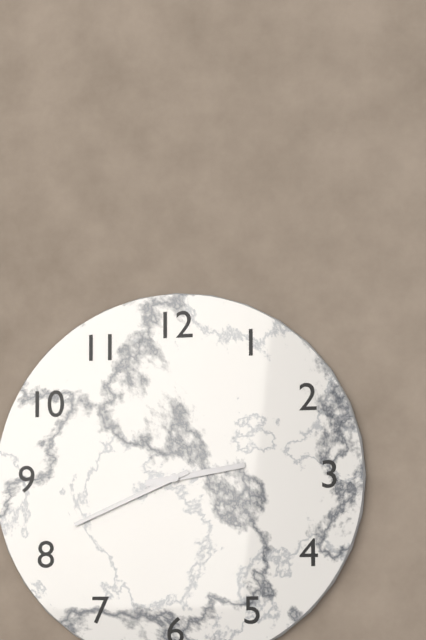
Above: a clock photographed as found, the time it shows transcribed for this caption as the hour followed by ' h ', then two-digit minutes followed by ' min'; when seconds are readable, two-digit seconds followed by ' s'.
2 h 41 min
